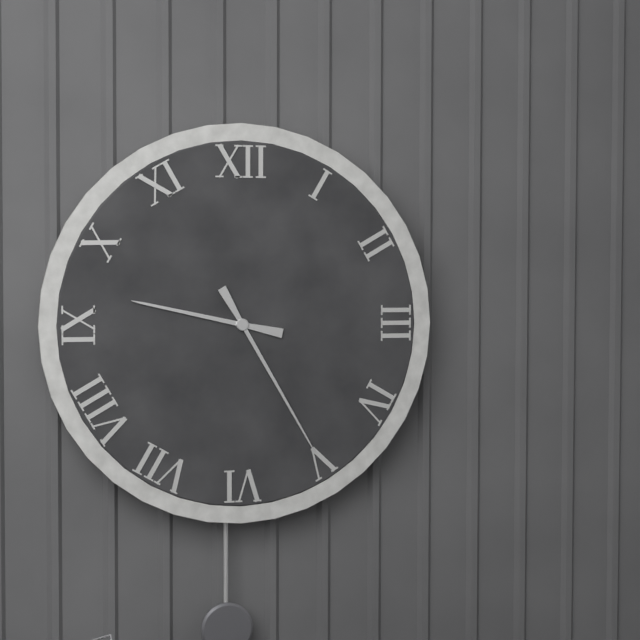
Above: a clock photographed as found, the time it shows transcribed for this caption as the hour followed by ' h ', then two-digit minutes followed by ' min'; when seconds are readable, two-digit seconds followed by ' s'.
9 h 25 min
